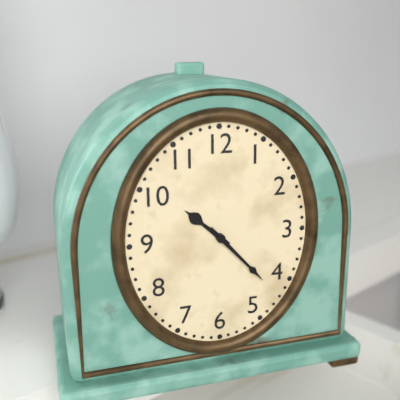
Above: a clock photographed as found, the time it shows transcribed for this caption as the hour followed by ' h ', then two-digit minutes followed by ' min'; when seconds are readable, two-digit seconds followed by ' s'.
10 h 23 min
